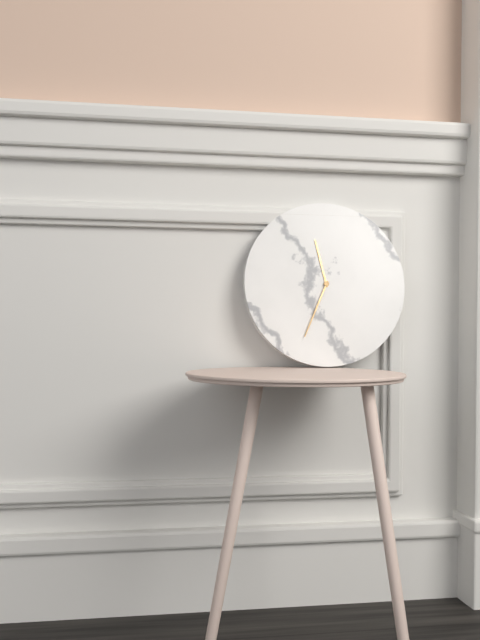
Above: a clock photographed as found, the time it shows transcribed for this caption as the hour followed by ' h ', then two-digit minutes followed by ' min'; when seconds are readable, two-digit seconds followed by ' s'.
11 h 34 min
